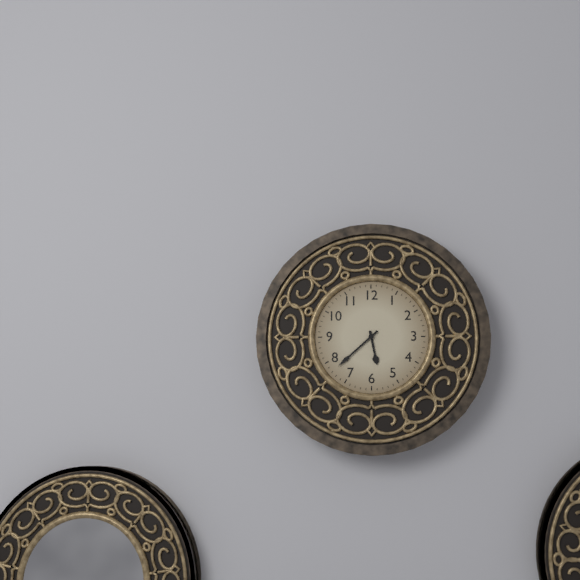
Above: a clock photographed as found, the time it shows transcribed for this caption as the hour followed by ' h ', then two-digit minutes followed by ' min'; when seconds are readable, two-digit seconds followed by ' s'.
5 h 38 min
